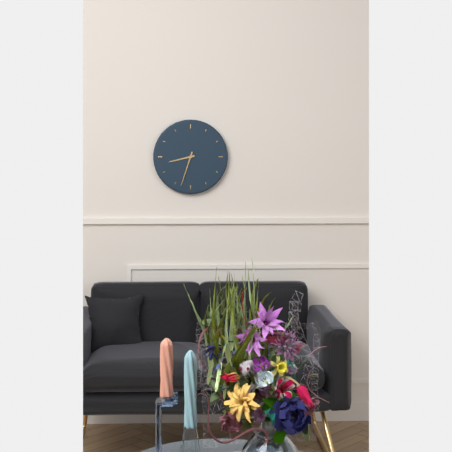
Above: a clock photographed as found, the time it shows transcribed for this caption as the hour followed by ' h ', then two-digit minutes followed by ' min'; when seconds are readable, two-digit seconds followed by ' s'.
8 h 33 min
